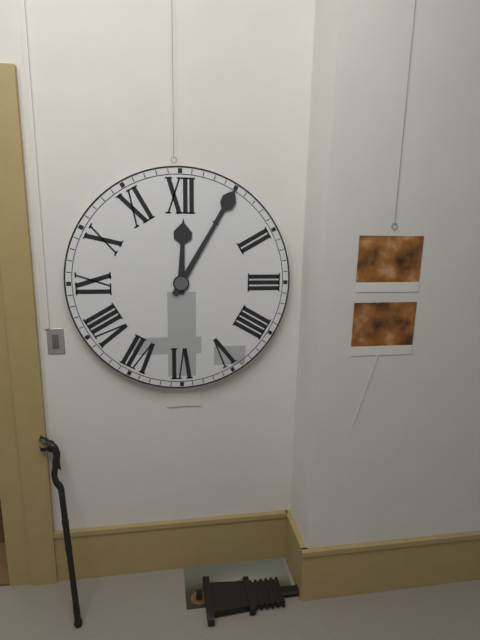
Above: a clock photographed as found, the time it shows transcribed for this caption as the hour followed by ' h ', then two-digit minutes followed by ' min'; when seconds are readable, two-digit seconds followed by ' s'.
12 h 05 min
